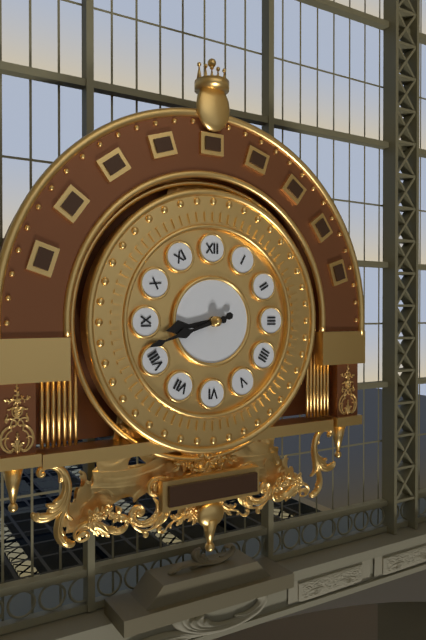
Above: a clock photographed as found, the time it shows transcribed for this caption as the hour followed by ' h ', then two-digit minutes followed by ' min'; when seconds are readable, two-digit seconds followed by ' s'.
8 h 42 min
